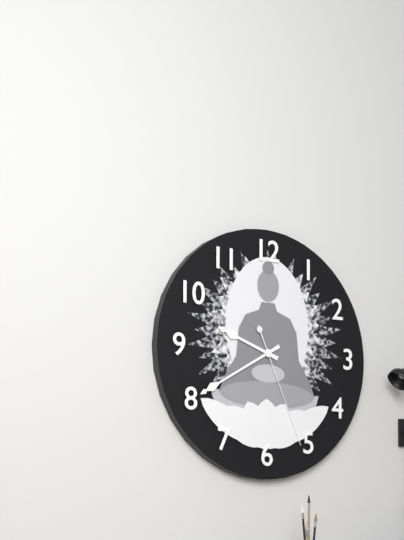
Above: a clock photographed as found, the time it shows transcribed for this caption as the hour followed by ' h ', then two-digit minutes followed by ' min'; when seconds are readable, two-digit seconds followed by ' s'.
9 h 40 min 26 s
